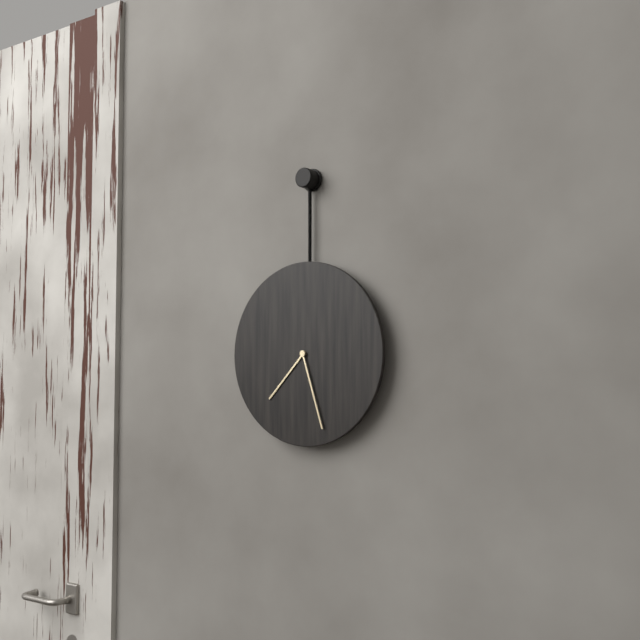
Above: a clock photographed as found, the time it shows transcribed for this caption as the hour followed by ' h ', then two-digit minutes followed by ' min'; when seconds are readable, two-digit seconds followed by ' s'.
7 h 27 min
